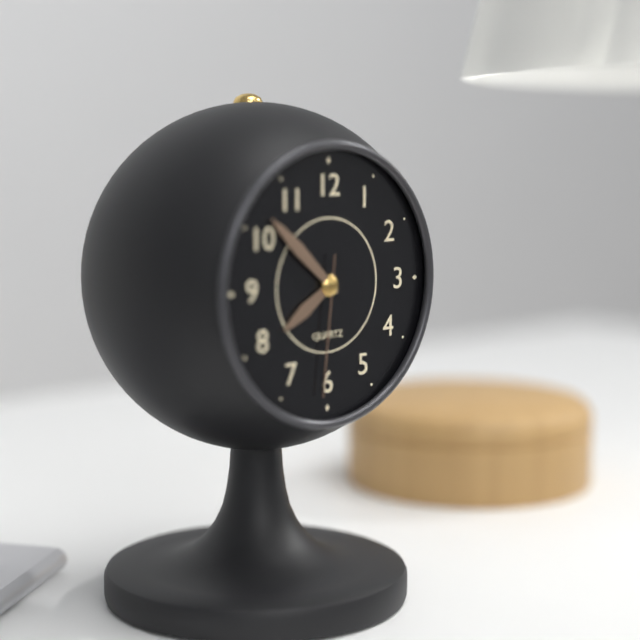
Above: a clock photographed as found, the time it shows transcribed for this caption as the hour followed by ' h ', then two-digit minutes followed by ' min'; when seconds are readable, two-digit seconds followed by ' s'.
7 h 52 min 31 s
